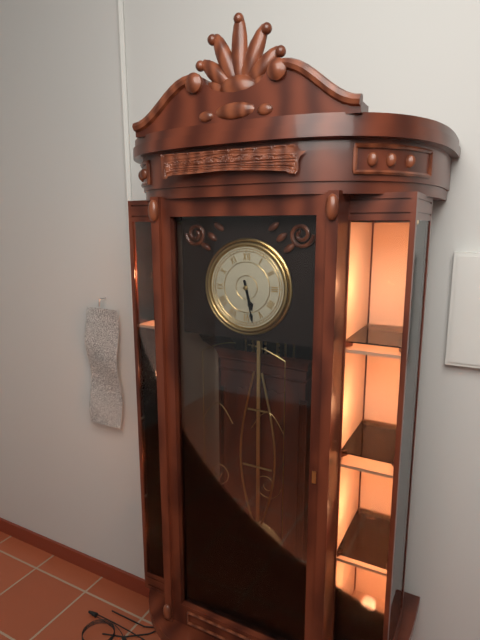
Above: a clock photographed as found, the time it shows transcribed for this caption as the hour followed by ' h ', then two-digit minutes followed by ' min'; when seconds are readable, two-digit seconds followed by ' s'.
5 h 28 min
